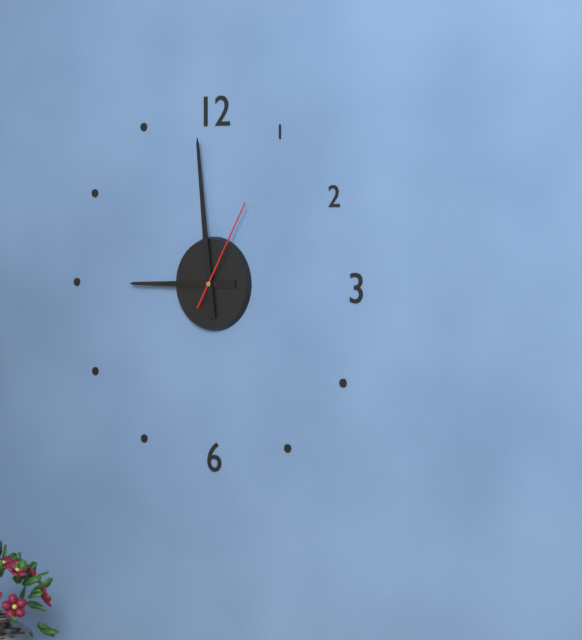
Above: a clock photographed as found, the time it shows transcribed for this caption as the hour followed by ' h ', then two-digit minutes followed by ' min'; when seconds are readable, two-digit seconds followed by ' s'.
8 h 59 min 05 s
